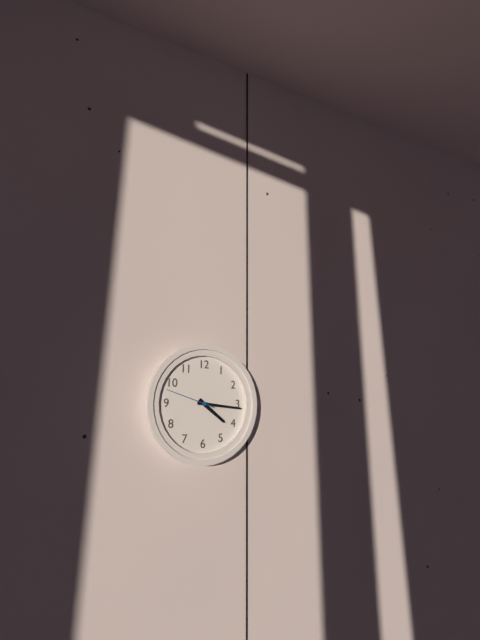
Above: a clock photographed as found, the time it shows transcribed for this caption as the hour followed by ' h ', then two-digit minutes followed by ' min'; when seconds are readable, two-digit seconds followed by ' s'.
4 h 16 min 48 s
